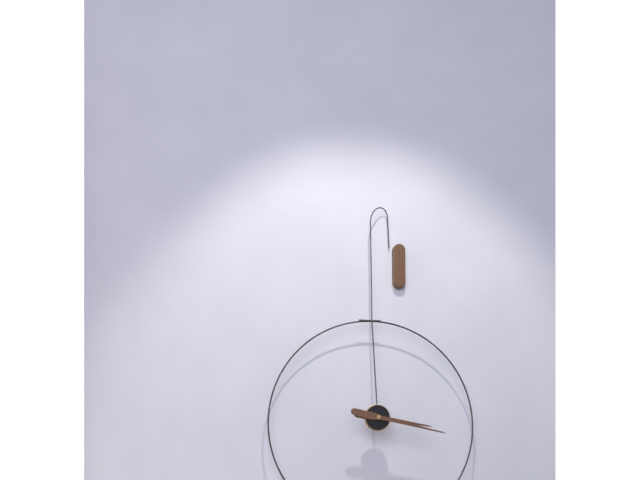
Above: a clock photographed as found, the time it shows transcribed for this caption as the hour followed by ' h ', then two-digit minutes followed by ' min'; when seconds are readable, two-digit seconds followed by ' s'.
3 h 17 min
